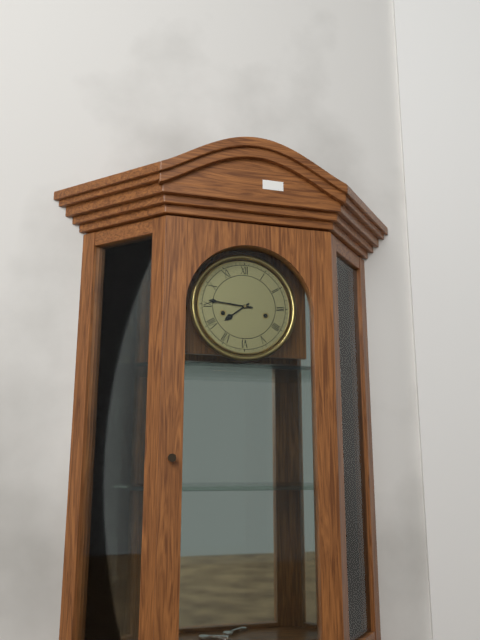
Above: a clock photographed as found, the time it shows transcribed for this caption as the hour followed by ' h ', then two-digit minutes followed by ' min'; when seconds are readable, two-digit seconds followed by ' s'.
7 h 46 min
